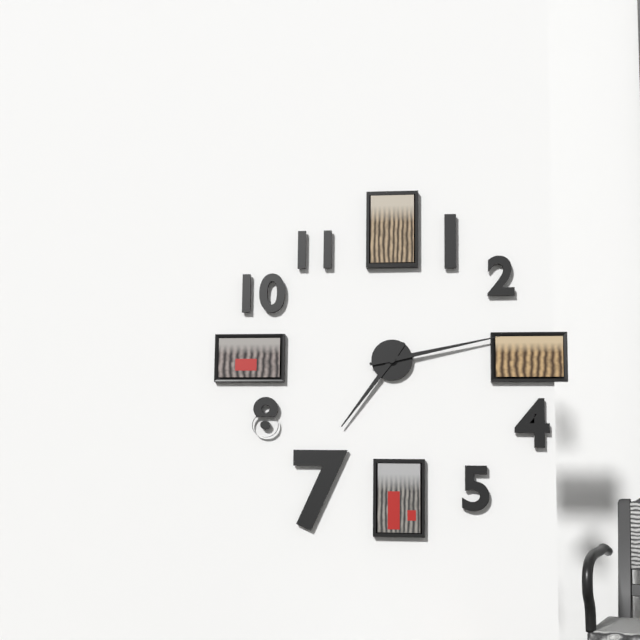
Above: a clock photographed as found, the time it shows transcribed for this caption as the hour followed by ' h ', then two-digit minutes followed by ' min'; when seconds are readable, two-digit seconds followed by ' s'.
7 h 13 min
